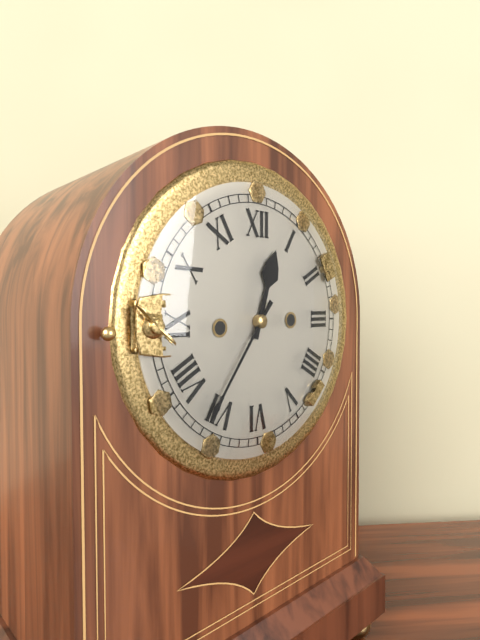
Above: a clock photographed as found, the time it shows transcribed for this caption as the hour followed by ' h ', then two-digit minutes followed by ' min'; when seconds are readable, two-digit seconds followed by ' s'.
12 h 36 min
